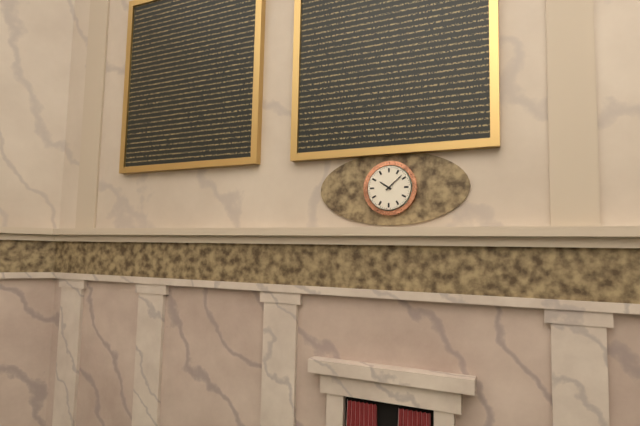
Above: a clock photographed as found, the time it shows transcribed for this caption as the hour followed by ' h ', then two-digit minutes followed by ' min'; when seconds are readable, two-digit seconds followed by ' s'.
10 h 08 min
